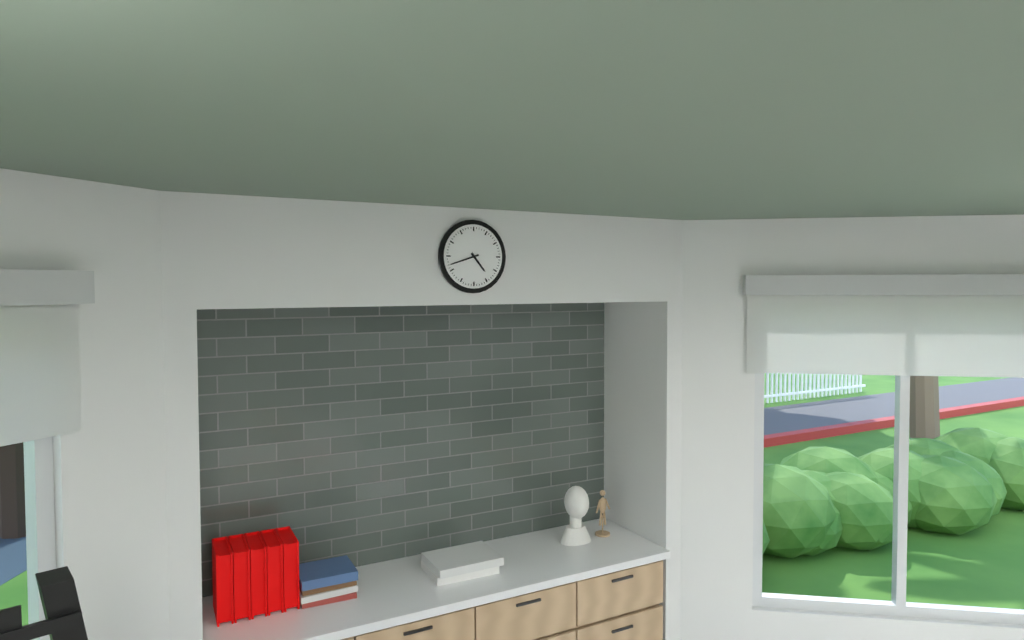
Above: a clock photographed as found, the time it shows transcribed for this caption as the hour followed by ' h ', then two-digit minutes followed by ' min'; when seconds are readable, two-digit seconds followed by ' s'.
4 h 42 min
